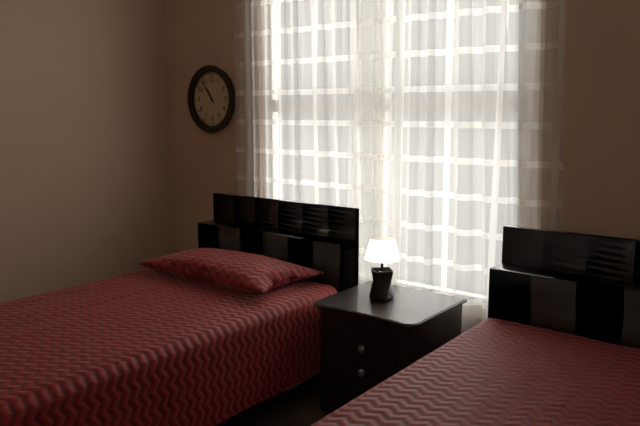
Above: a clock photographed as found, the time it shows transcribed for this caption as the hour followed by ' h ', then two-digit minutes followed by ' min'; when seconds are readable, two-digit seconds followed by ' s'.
10 h 54 min
